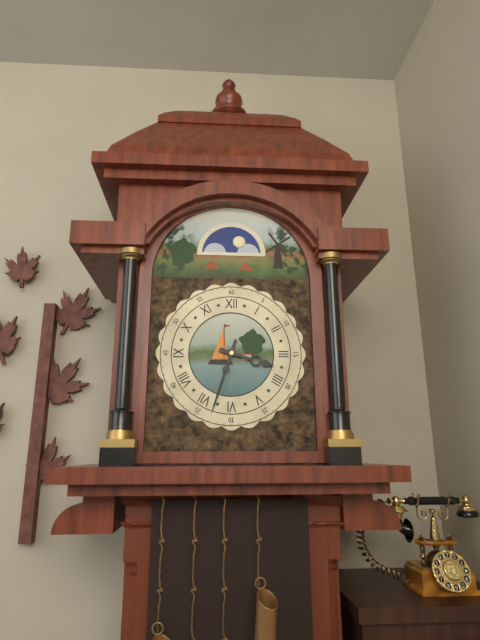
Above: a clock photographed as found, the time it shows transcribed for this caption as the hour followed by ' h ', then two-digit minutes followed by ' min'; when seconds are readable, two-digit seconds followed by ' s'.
3 h 33 min
